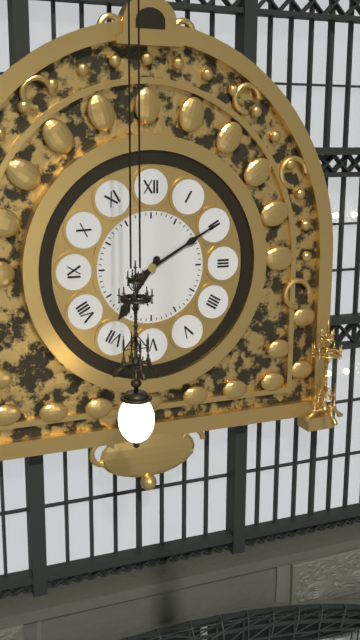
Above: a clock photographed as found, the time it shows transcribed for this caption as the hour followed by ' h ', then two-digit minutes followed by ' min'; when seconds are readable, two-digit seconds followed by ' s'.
7 h 10 min
